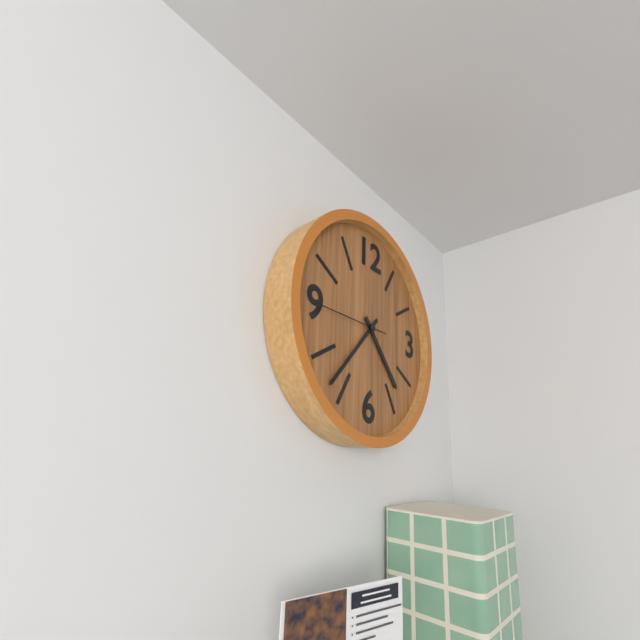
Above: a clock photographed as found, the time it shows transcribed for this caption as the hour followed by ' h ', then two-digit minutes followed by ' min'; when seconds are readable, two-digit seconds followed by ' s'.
4 h 37 min 45 s
